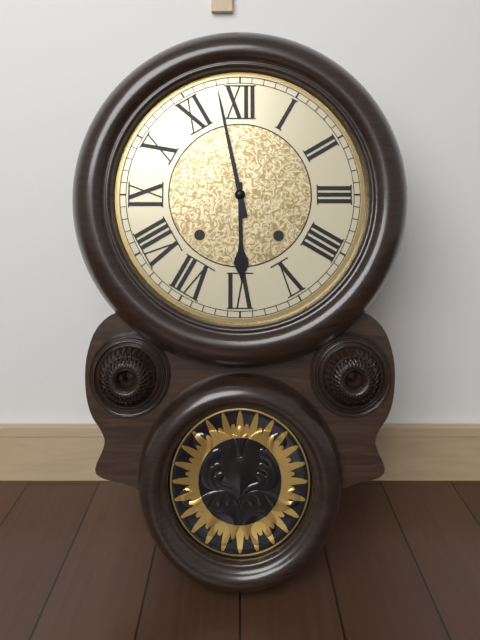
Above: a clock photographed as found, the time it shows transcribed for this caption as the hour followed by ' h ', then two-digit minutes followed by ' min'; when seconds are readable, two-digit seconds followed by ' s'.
5 h 58 min
